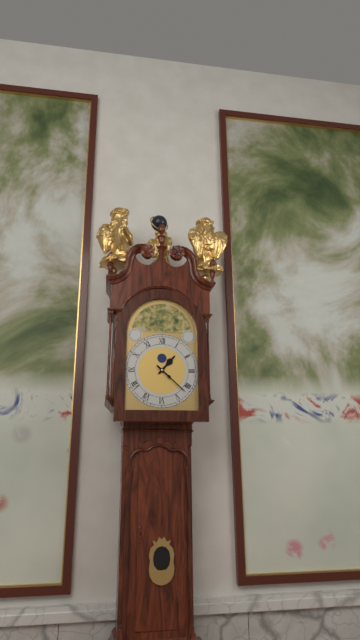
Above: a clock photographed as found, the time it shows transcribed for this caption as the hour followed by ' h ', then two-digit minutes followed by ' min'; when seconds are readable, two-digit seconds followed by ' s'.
1 h 22 min
